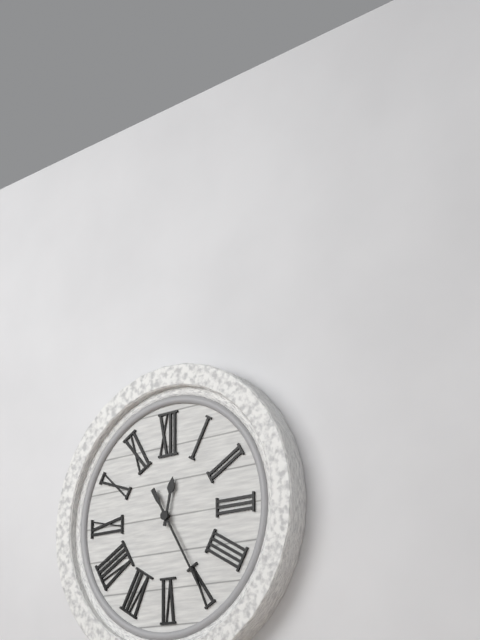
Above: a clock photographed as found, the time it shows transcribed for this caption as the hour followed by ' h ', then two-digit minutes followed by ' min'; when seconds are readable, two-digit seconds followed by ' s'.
12 h 25 min
